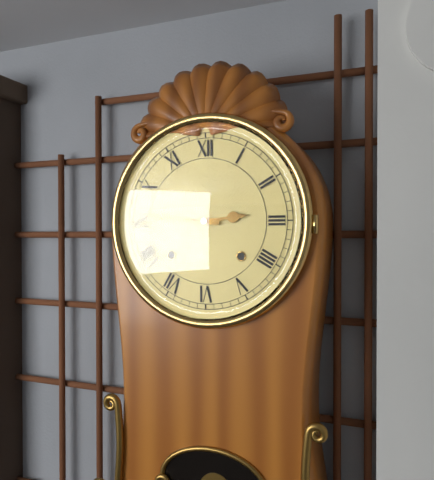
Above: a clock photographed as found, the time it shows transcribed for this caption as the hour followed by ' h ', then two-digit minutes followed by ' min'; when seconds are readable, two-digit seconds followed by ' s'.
2 h 46 min
